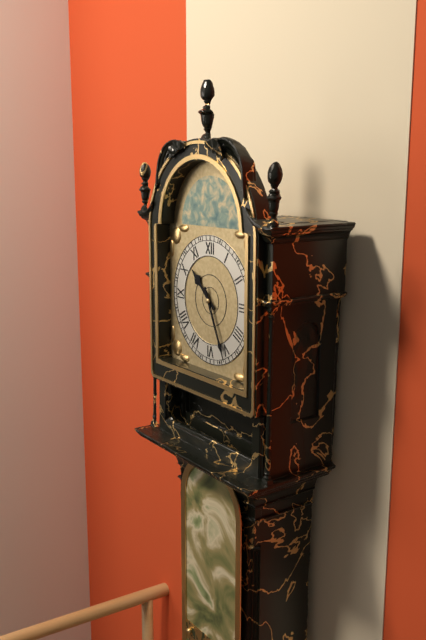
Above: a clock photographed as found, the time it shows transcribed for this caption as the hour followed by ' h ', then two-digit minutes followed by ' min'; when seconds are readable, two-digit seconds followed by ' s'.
10 h 26 min
